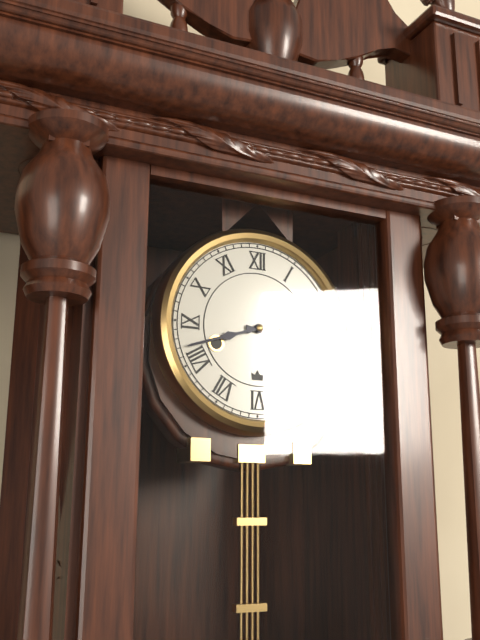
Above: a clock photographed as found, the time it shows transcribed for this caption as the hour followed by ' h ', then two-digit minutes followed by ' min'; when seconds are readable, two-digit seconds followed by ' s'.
2 h 42 min
